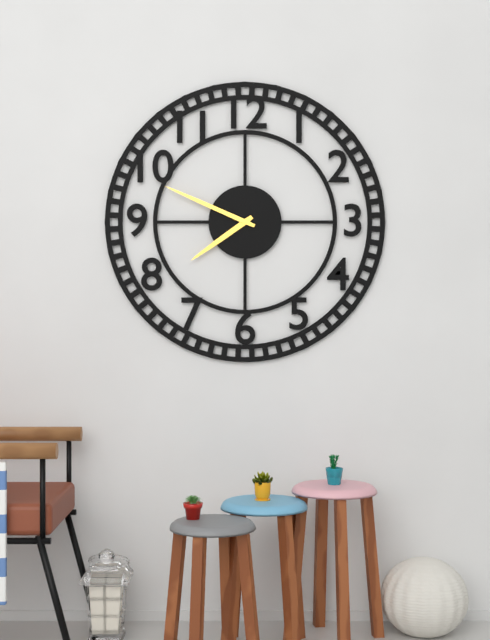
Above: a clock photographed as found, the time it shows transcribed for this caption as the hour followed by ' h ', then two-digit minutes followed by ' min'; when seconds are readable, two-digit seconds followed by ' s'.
7 h 49 min
